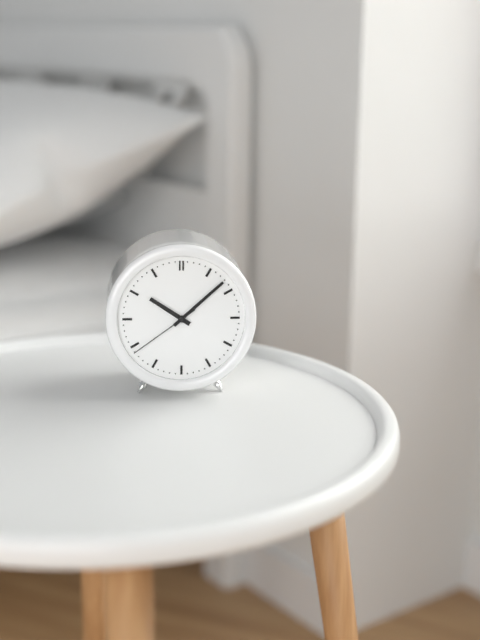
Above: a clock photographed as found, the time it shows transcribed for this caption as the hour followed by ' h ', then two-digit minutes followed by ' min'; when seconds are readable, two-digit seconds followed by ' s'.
10 h 08 min 39 s
